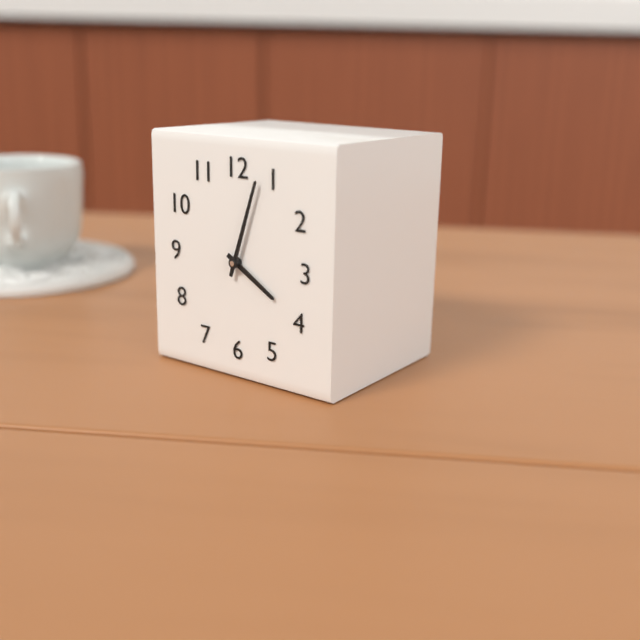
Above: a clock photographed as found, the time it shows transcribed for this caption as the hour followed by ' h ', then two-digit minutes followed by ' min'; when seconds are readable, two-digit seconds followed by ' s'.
4 h 03 min
